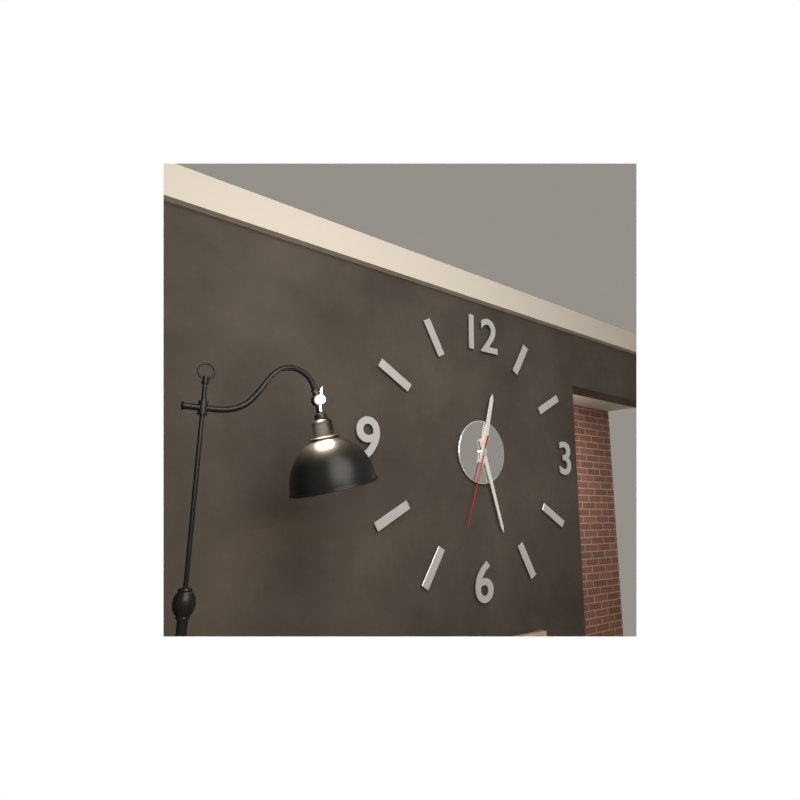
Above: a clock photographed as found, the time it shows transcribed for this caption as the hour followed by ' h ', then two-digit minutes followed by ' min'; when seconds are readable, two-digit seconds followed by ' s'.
12 h 27 min 33 s
